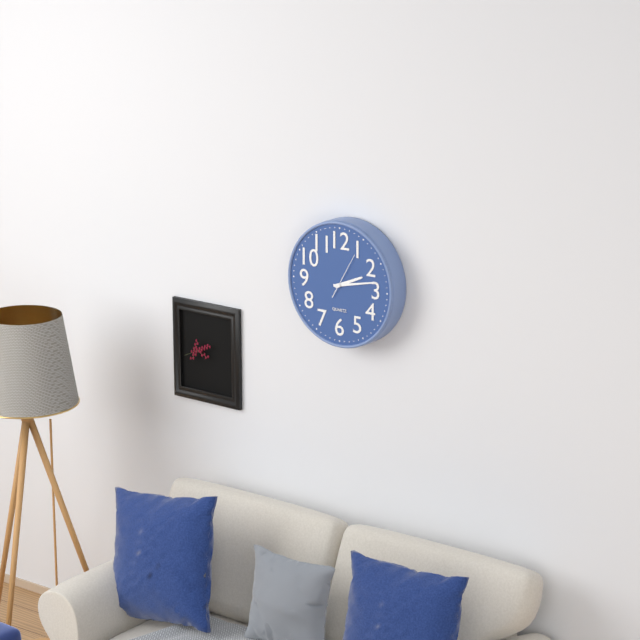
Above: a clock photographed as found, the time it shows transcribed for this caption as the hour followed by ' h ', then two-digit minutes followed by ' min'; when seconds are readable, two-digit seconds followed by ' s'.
2 h 13 min
